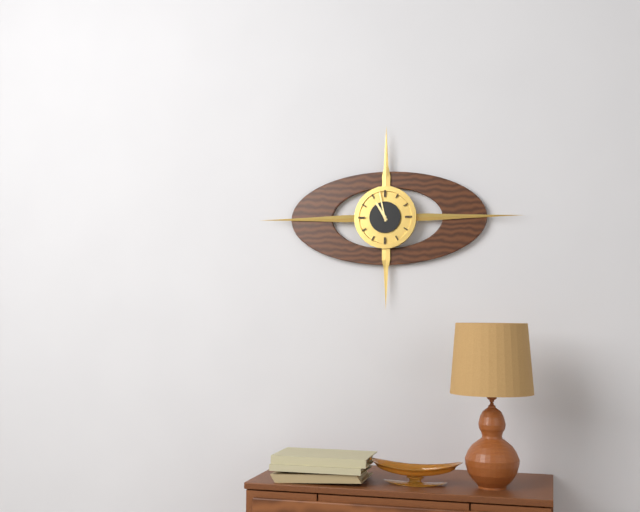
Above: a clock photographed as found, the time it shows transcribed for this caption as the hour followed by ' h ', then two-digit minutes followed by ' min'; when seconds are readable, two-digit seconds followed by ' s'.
10 h 58 min
